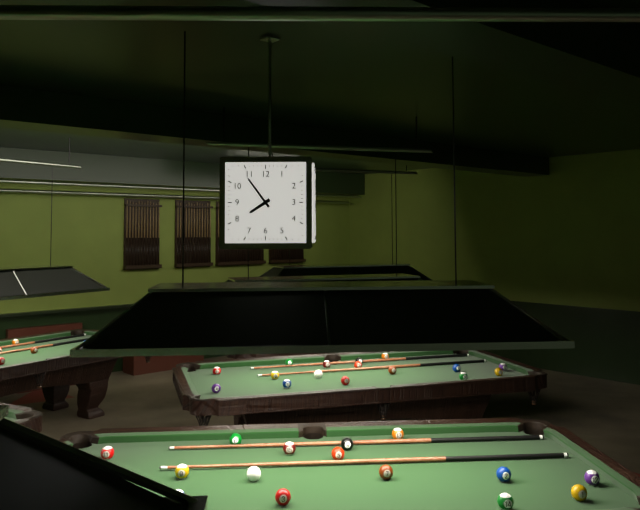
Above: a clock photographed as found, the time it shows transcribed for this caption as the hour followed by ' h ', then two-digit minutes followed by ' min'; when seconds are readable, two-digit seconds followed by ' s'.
7 h 54 min
